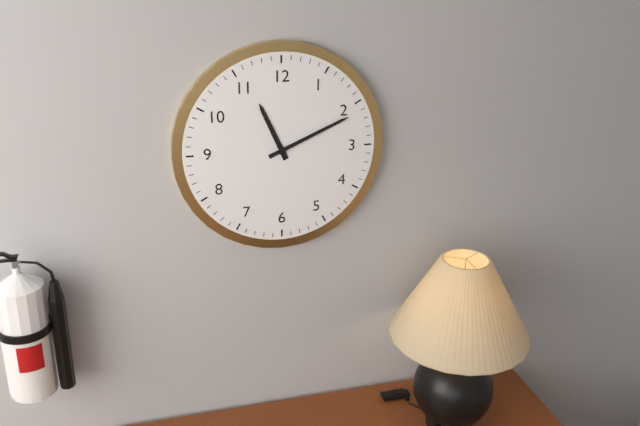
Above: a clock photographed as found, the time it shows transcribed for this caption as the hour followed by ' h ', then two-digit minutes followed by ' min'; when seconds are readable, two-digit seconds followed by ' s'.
11 h 11 min
